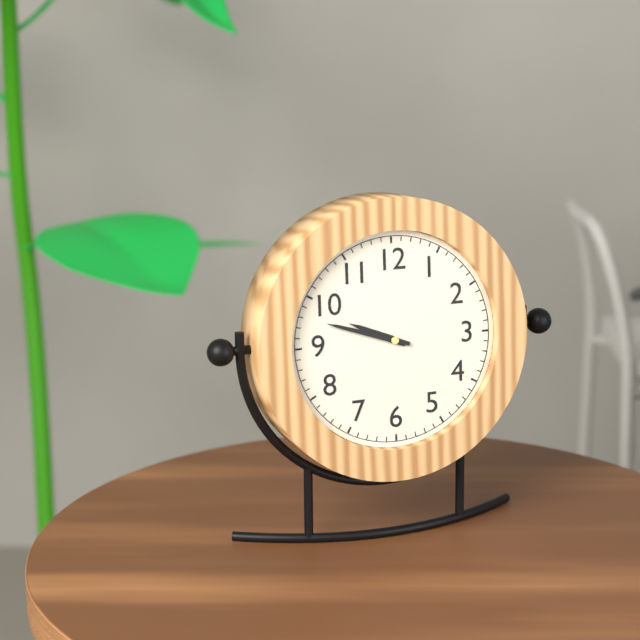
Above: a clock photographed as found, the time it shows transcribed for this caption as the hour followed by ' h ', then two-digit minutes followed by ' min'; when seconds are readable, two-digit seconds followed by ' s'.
9 h 48 min
